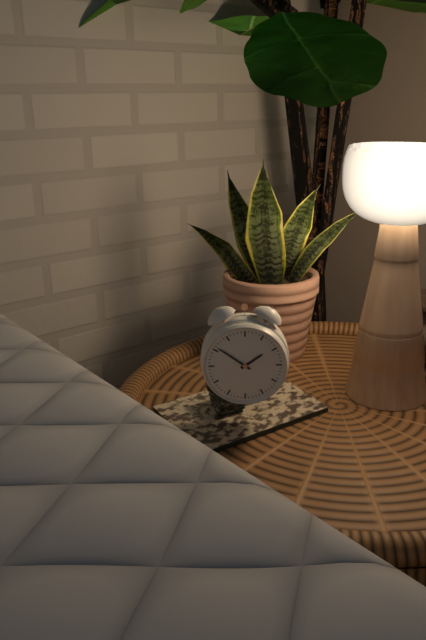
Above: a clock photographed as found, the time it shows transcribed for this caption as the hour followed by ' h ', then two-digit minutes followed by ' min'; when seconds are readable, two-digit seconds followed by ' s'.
1 h 51 min
